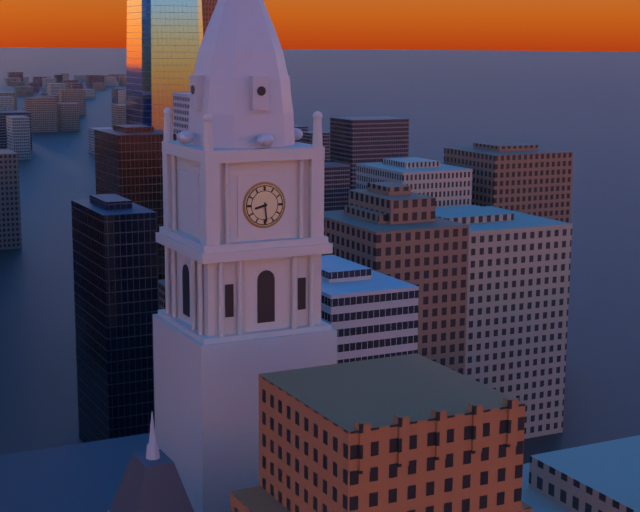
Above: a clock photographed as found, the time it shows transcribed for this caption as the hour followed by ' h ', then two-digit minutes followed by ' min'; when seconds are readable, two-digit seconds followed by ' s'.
8 h 29 min
